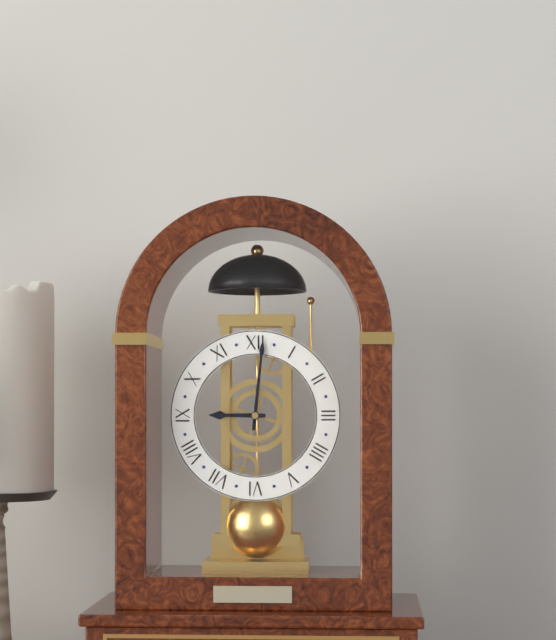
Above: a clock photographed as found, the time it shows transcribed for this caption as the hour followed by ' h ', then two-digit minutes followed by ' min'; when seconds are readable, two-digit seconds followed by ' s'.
9 h 01 min
